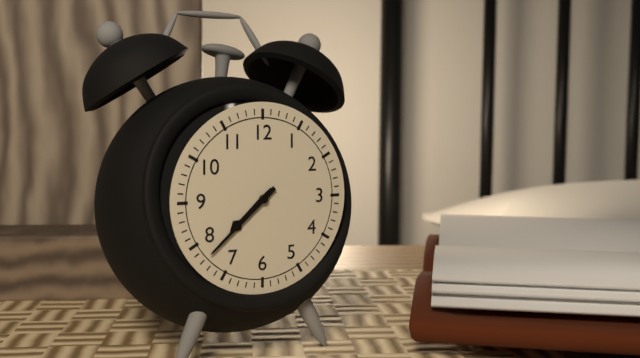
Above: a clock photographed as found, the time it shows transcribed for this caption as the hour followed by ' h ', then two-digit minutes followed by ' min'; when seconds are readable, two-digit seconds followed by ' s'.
7 h 38 min
